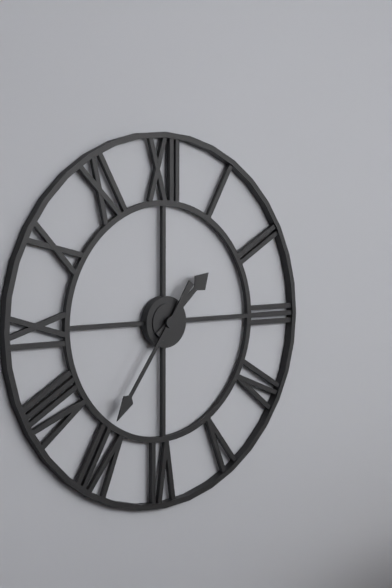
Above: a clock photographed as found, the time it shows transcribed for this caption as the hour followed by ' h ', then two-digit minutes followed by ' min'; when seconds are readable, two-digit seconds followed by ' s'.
1 h 36 min
